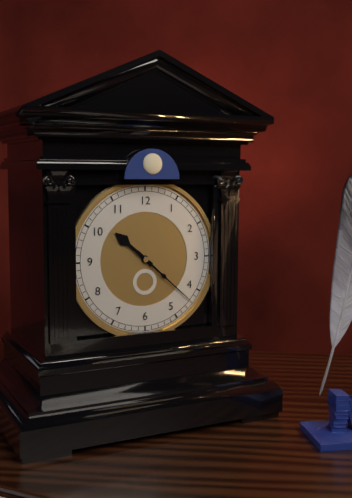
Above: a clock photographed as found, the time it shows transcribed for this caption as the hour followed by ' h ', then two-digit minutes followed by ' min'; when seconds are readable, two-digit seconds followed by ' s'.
10 h 22 min
